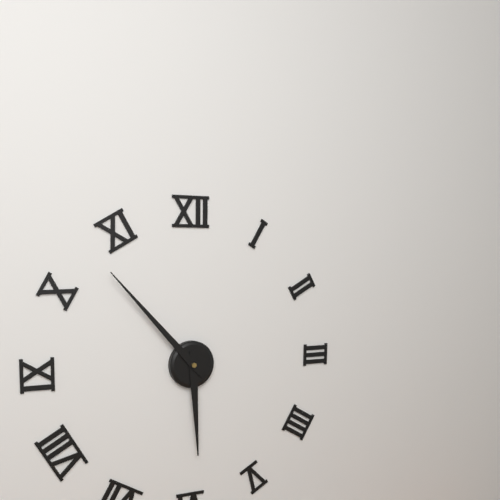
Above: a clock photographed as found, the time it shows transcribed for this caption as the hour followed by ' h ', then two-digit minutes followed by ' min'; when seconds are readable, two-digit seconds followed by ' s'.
5 h 53 min
